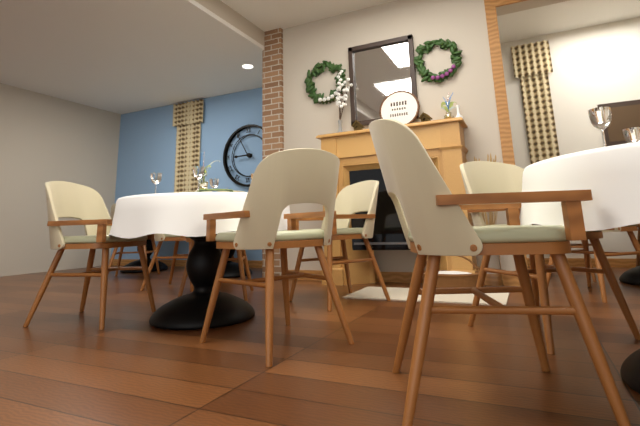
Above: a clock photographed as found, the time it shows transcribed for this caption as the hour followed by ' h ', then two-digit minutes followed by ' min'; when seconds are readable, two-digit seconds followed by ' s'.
8 h 55 min
